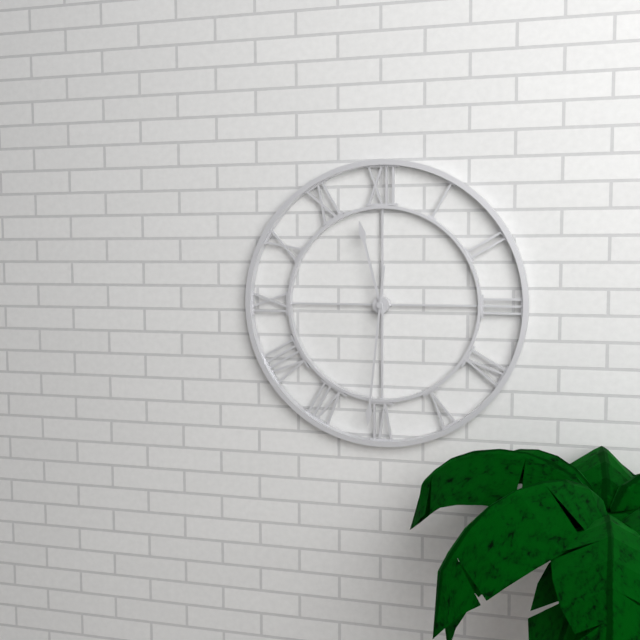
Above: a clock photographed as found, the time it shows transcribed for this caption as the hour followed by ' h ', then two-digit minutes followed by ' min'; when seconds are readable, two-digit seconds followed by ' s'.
11 h 31 min
